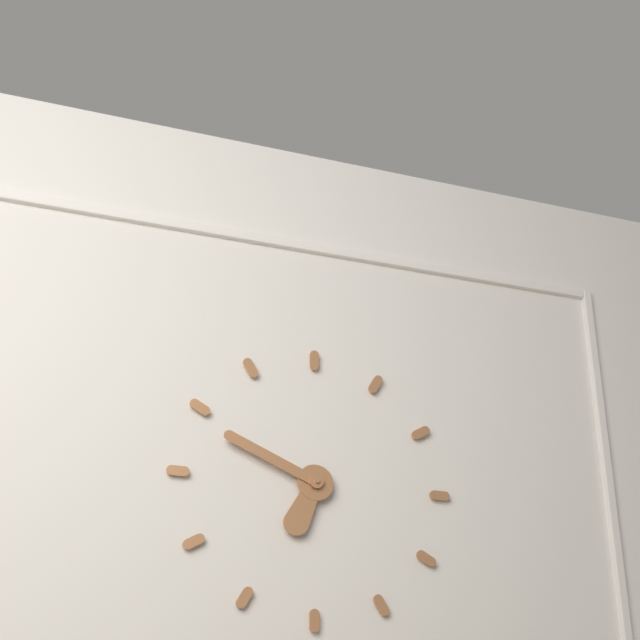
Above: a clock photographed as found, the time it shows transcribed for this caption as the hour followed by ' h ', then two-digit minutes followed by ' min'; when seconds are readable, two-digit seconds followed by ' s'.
6 h 49 min
